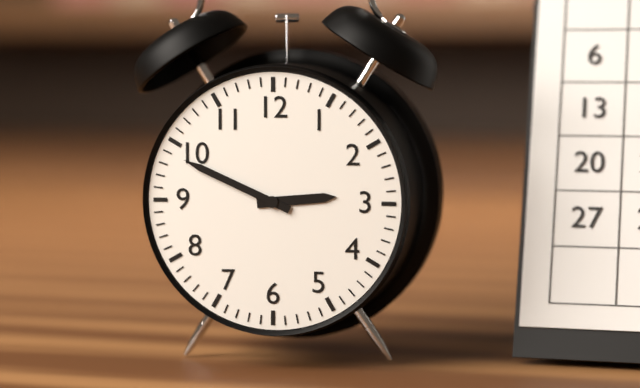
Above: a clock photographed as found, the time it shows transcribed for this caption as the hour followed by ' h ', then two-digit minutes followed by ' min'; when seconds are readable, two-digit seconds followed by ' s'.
2 h 49 min
